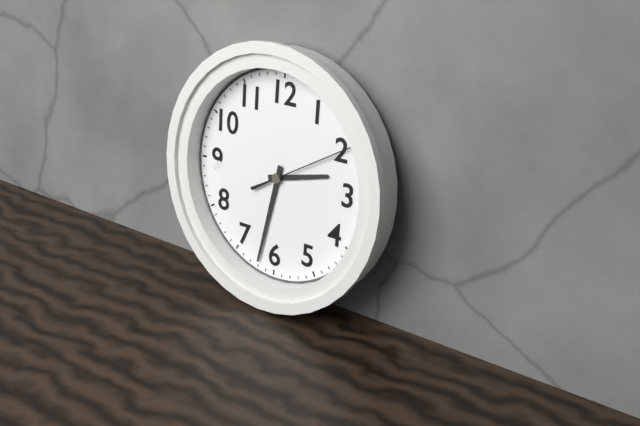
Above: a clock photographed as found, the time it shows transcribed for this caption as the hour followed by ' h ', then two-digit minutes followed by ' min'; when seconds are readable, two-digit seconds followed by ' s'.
2 h 32 min 10 s
